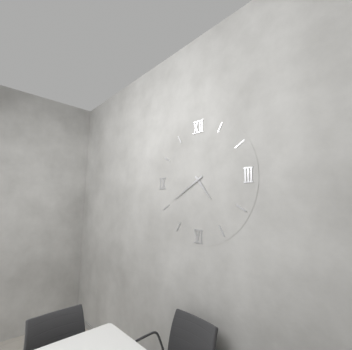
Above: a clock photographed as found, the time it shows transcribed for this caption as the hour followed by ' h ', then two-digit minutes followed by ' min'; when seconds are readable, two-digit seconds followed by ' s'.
4 h 40 min
